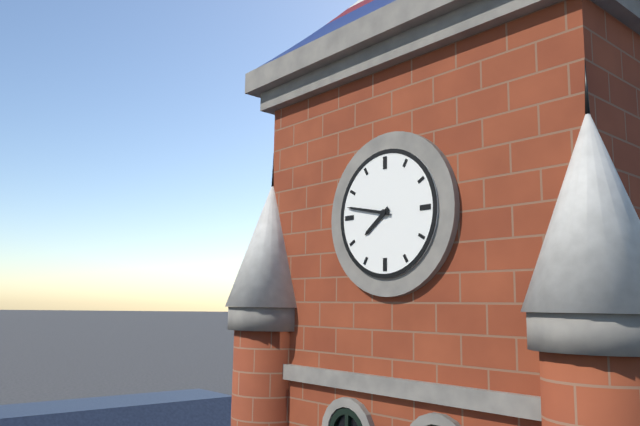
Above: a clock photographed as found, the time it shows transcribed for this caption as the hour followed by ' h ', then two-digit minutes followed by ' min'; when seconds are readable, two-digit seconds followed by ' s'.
7 h 47 min
